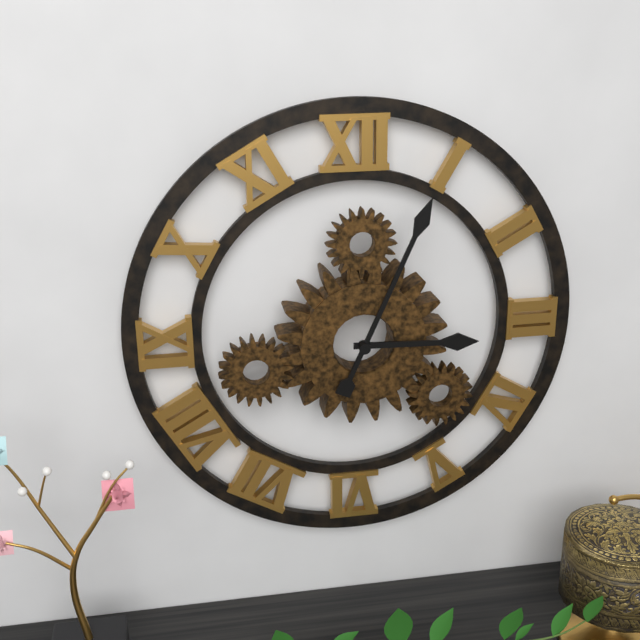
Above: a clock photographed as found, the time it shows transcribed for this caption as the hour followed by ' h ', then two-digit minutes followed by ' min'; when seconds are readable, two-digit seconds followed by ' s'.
3 h 04 min
